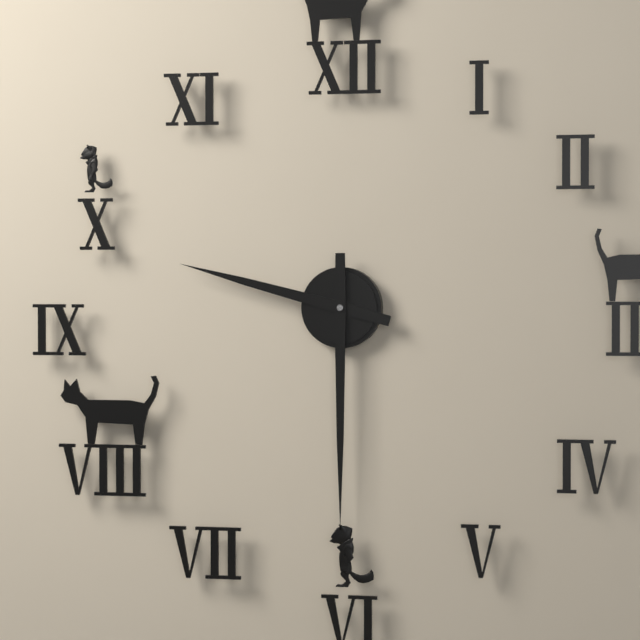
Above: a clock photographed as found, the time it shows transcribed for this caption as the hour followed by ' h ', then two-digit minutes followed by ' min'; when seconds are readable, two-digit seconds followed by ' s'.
9 h 30 min
